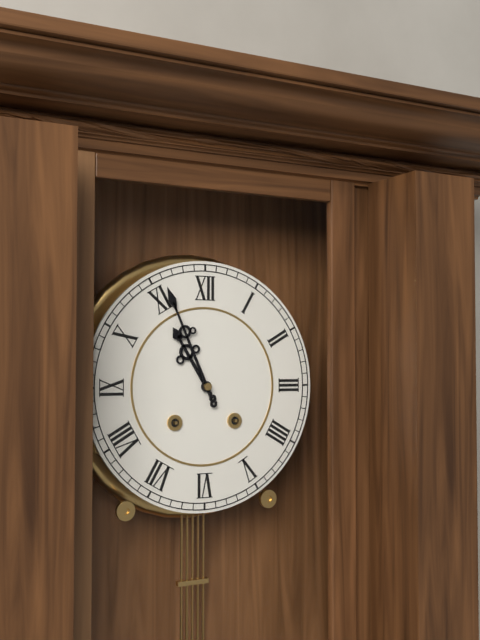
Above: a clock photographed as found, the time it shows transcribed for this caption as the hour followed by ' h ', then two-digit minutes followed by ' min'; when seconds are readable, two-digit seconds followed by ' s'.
10 h 56 min
